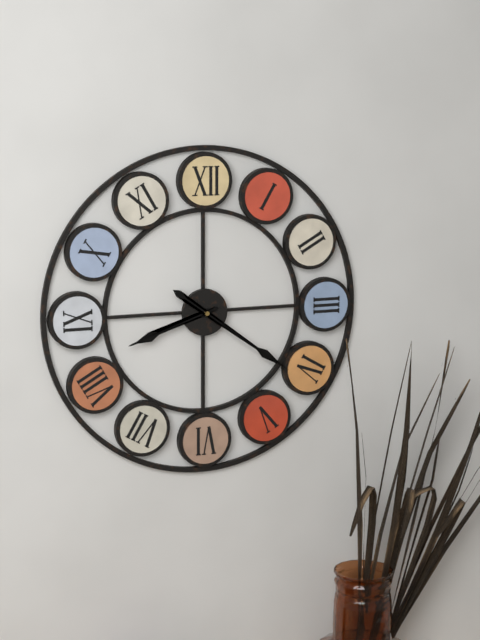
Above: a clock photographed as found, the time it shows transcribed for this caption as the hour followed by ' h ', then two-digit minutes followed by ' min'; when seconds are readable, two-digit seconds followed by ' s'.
8 h 21 min
